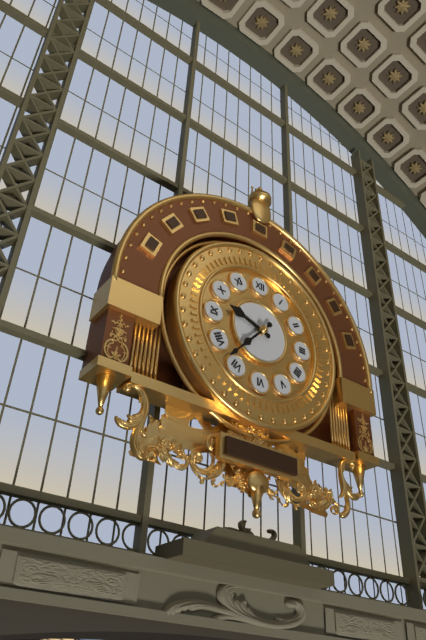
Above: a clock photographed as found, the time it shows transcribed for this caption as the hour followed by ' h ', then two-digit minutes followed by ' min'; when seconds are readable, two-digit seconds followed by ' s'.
9 h 37 min
